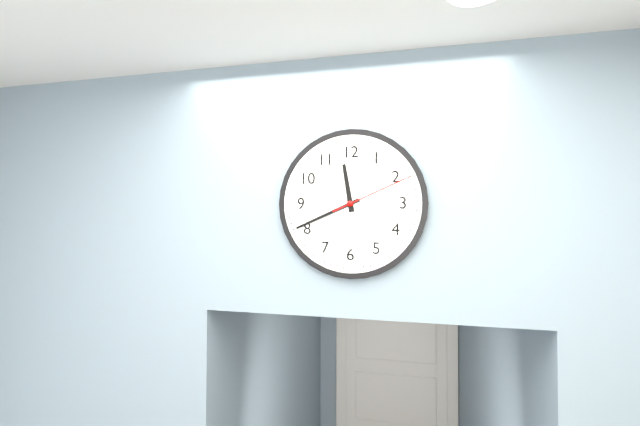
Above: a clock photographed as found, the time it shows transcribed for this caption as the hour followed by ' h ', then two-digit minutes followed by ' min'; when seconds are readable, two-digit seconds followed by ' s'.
11 h 41 min 11 s
